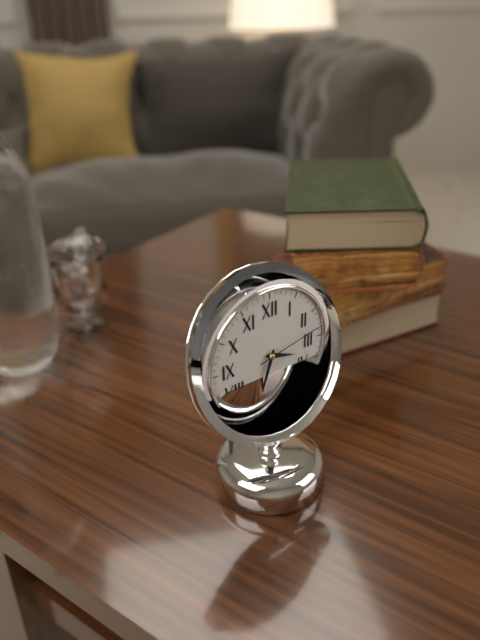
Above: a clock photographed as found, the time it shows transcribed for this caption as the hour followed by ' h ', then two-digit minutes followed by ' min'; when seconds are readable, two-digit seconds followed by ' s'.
3 h 33 min 13 s
